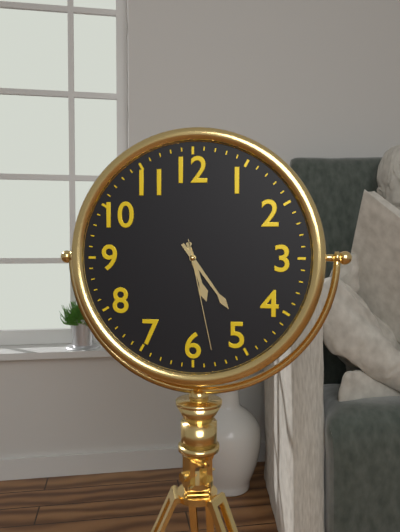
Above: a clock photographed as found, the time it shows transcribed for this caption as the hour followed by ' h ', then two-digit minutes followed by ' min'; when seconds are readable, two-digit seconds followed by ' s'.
5 h 24 min 28 s
